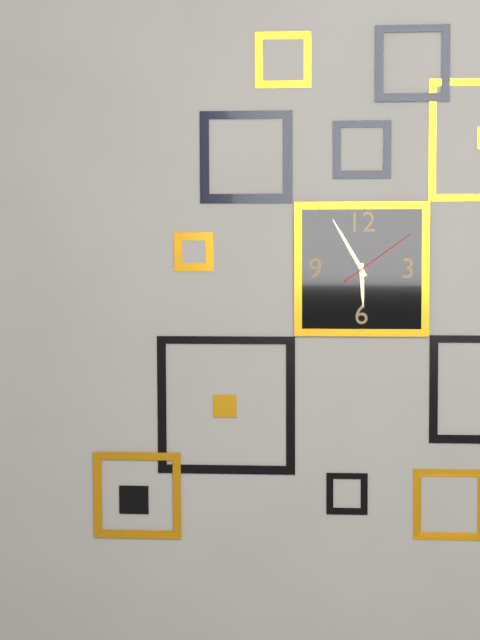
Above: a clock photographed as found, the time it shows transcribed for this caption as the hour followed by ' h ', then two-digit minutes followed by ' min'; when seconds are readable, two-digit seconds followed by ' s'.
5 h 55 min 09 s
